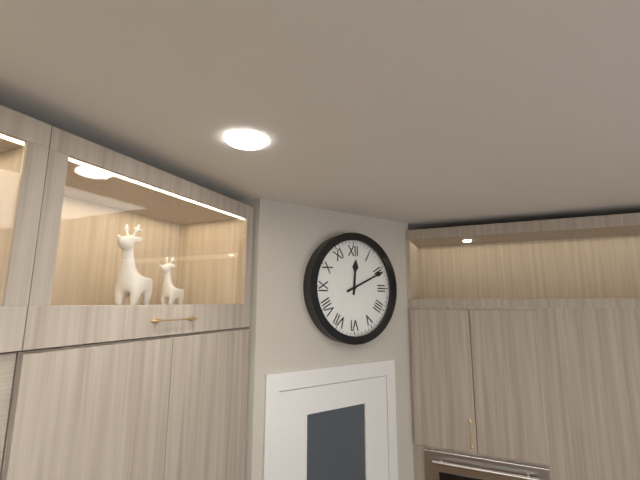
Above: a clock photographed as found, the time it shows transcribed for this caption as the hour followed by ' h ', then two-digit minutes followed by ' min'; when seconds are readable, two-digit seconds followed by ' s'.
12 h 11 min
